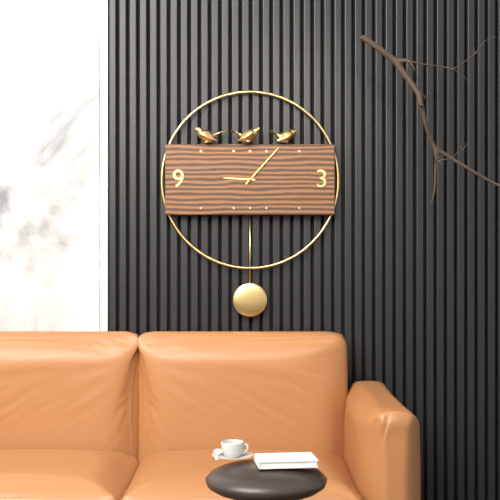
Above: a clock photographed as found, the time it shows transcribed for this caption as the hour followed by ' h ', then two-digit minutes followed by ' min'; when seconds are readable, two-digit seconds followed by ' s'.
9 h 07 min
